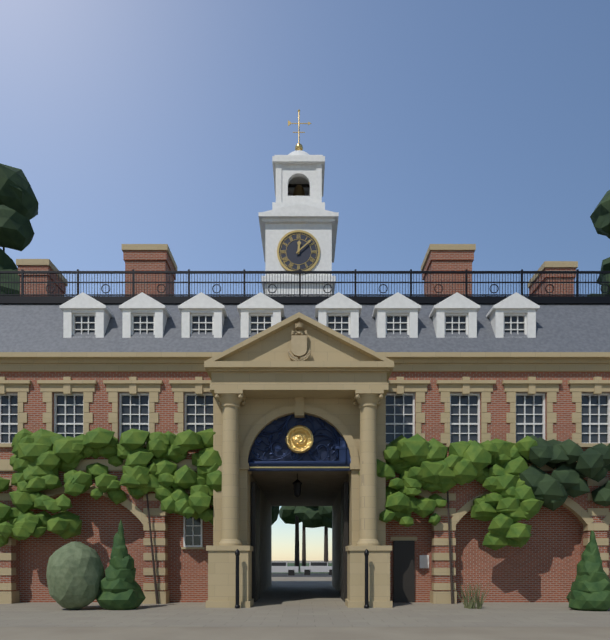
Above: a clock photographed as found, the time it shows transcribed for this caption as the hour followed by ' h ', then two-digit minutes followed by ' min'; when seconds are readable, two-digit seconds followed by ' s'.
12 h 08 min
